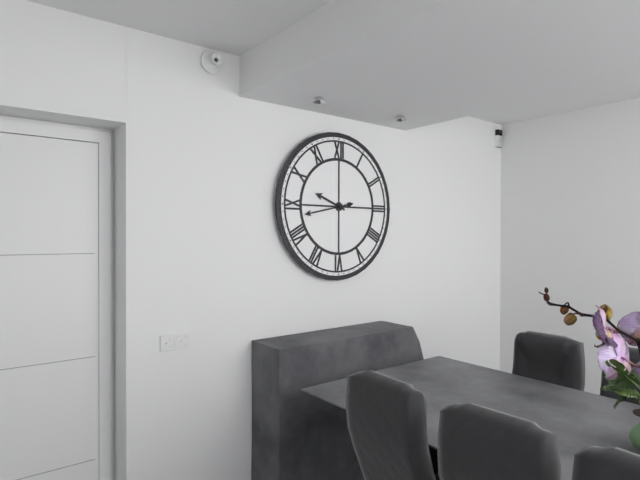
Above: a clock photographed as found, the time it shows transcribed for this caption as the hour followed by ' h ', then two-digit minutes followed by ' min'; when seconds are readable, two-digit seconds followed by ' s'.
9 h 43 min
